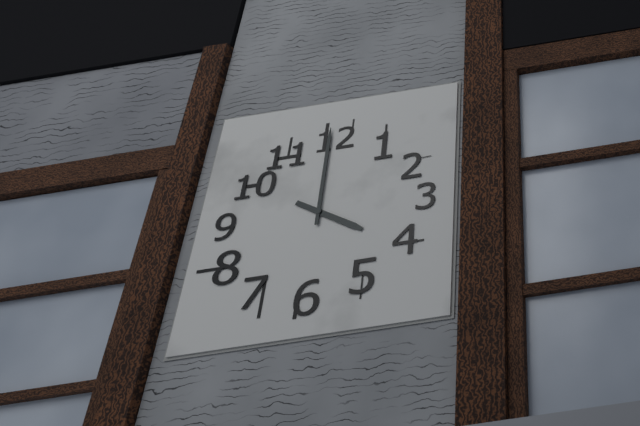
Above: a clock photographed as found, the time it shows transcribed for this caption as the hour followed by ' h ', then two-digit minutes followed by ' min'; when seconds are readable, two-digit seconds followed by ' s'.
4 h 00 min
